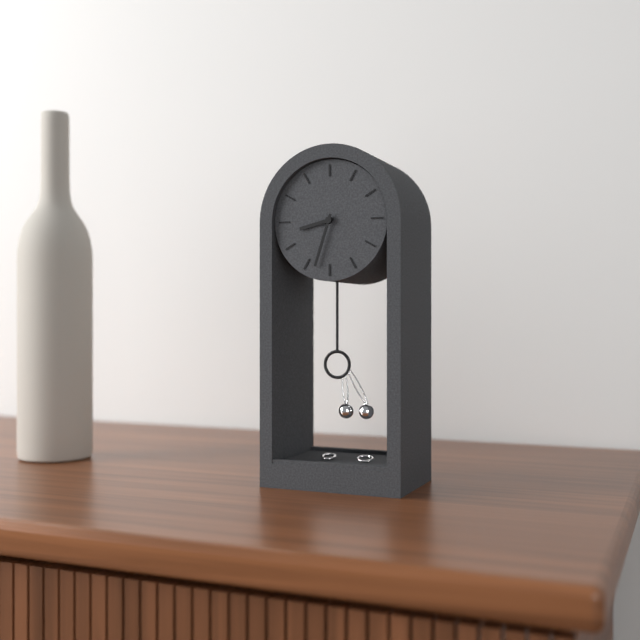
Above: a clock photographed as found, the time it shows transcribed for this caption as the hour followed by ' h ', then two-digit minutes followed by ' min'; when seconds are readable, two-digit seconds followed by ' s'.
8 h 33 min
